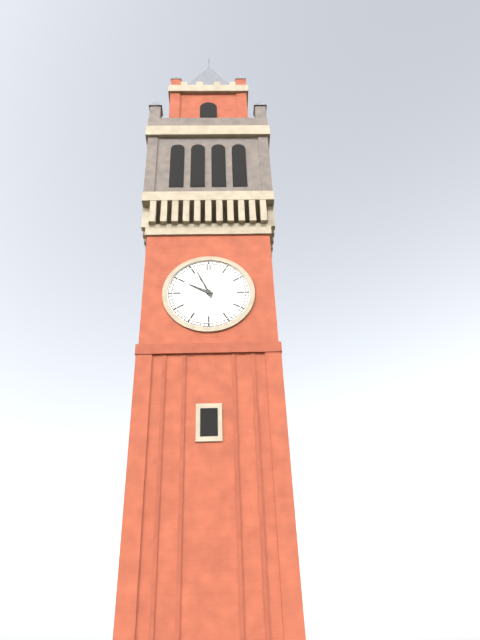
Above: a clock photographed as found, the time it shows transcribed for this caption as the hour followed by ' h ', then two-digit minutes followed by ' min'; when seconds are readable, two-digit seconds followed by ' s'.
9 h 56 min
